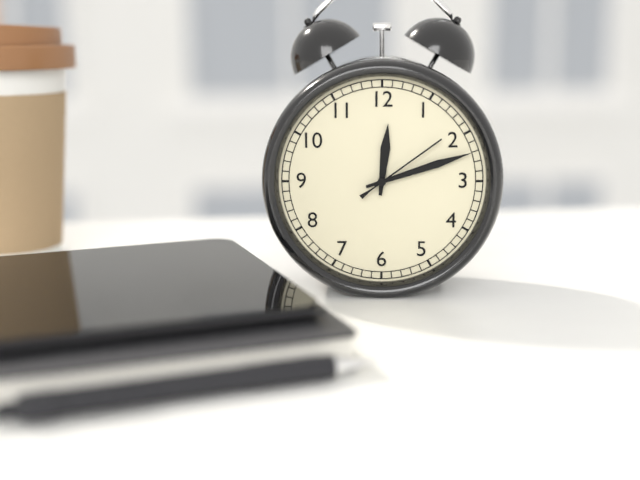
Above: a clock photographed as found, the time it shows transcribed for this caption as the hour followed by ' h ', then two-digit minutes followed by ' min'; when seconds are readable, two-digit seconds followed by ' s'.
12 h 12 min 09 s
